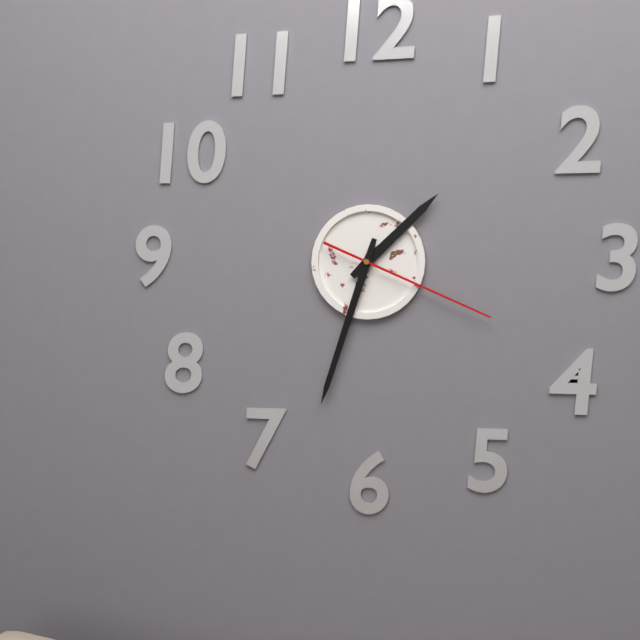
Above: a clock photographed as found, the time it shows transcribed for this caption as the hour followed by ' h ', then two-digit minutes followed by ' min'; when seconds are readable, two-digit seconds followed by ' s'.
1 h 33 min 19 s
